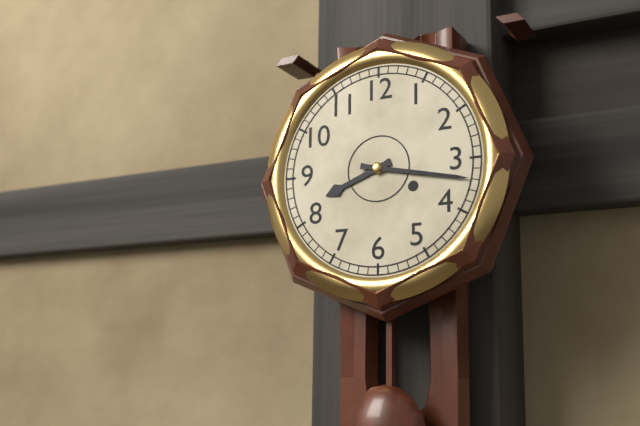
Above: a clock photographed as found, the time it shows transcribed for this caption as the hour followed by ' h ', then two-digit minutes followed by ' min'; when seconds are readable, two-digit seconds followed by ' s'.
8 h 17 min
